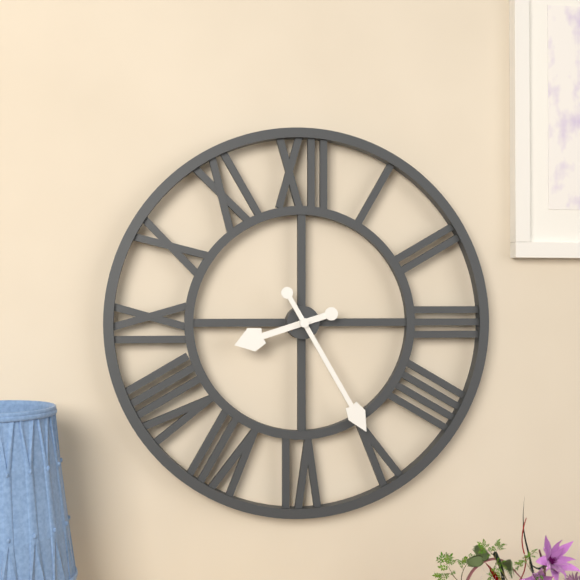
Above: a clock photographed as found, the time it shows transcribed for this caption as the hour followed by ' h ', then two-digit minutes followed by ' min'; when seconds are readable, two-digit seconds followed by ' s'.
8 h 25 min
